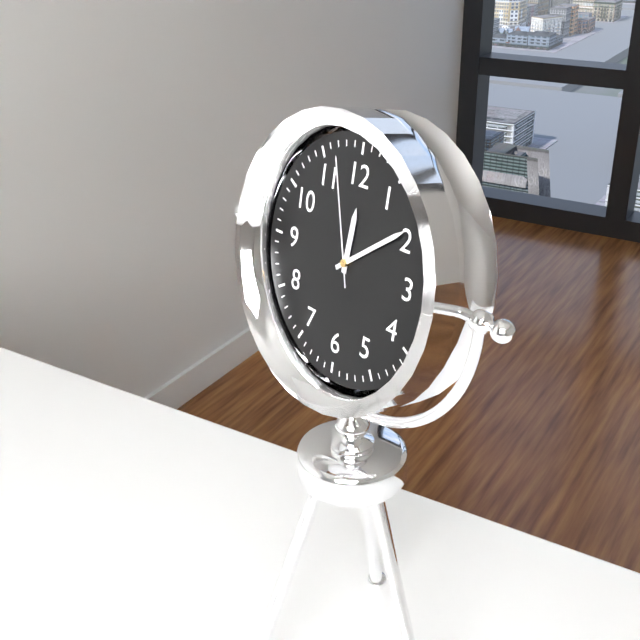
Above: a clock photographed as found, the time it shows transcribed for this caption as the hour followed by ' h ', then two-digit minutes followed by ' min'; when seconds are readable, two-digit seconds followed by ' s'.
12 h 09 min 57 s
